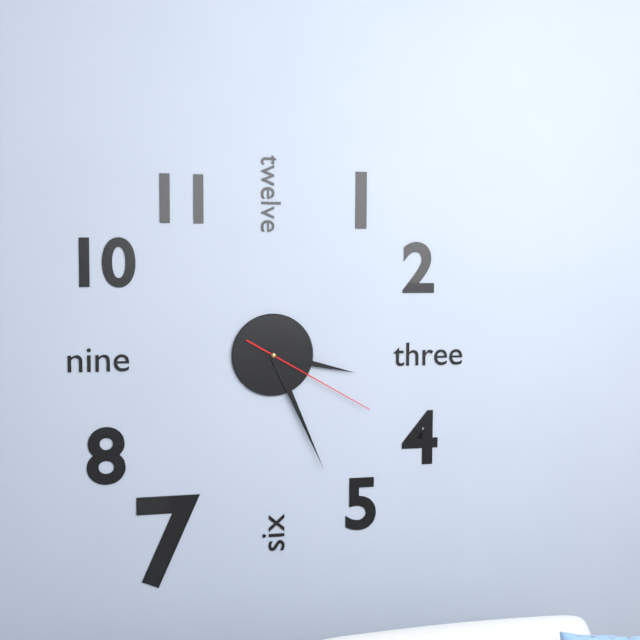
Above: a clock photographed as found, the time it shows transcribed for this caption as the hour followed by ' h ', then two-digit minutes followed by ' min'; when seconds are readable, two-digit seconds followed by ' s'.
3 h 26 min 20 s
